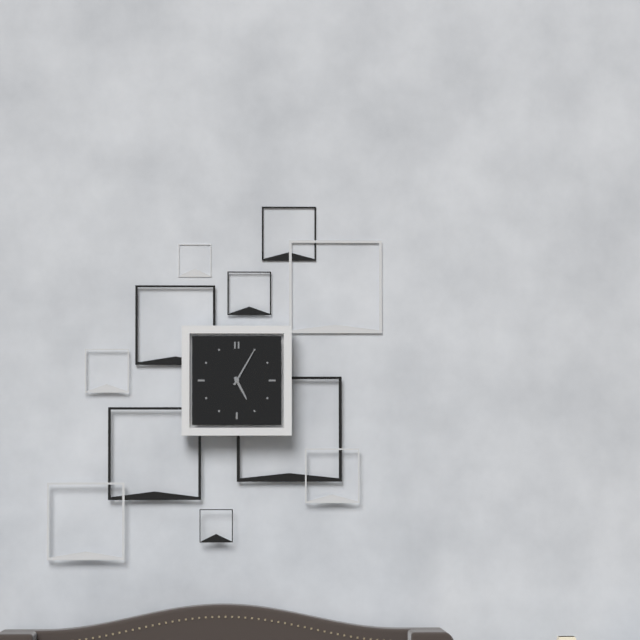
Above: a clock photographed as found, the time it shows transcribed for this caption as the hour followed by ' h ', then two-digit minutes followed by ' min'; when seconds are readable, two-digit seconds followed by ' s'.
5 h 05 min
